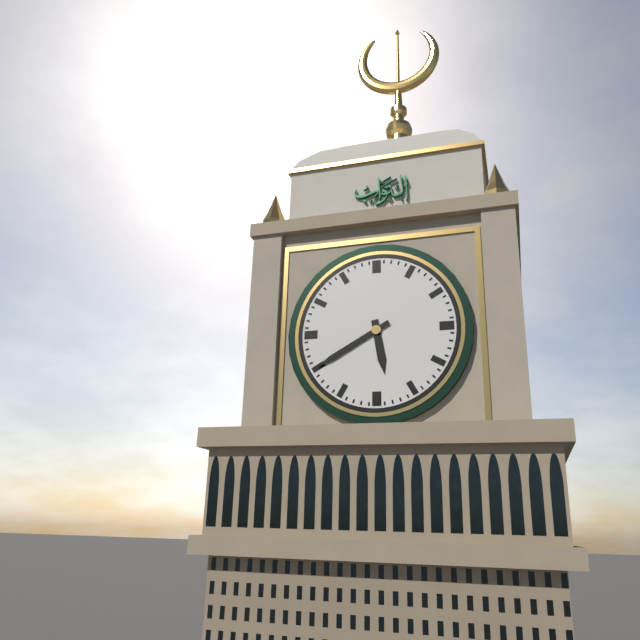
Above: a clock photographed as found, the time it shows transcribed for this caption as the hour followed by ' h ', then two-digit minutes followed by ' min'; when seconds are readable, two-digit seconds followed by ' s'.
5 h 40 min
